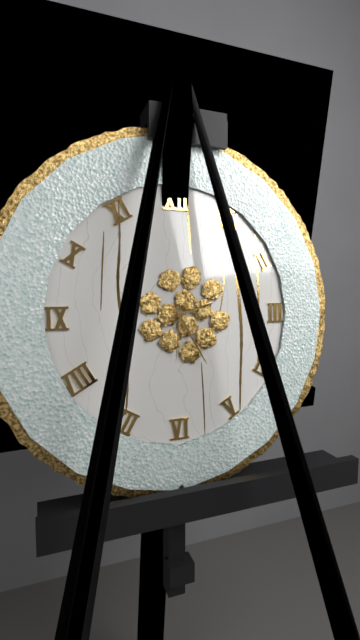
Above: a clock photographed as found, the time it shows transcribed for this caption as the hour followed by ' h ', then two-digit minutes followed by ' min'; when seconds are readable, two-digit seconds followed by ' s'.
2 h 25 min 31 s
